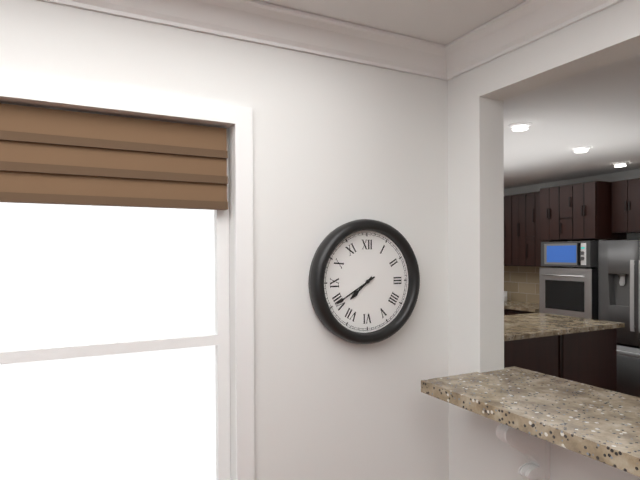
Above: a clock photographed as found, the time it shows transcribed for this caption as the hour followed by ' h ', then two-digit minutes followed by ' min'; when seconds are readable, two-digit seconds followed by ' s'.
7 h 40 min
